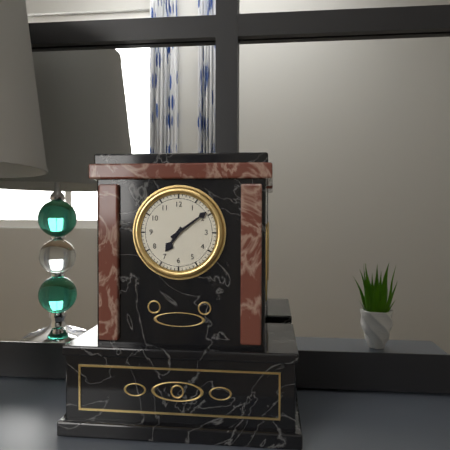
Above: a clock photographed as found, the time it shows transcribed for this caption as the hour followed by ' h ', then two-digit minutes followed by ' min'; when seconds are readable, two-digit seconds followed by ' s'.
7 h 09 min
